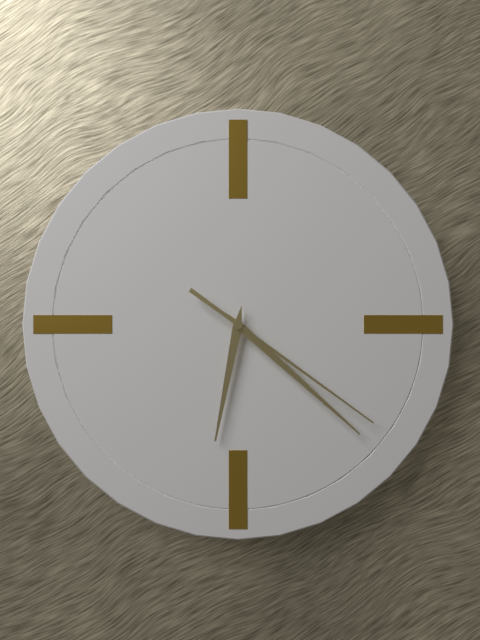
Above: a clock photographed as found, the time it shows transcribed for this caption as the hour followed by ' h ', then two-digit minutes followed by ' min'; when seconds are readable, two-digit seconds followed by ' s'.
6 h 22 min 21 s
